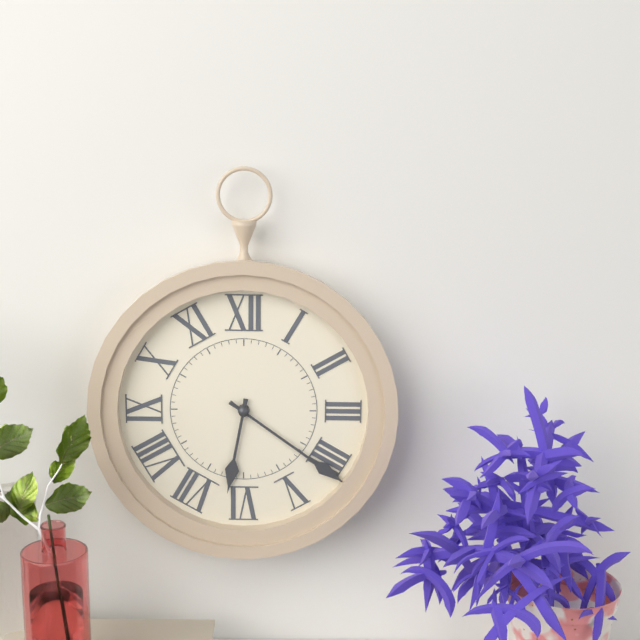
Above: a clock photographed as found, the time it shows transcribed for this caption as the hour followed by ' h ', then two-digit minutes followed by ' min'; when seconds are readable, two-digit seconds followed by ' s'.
6 h 21 min
